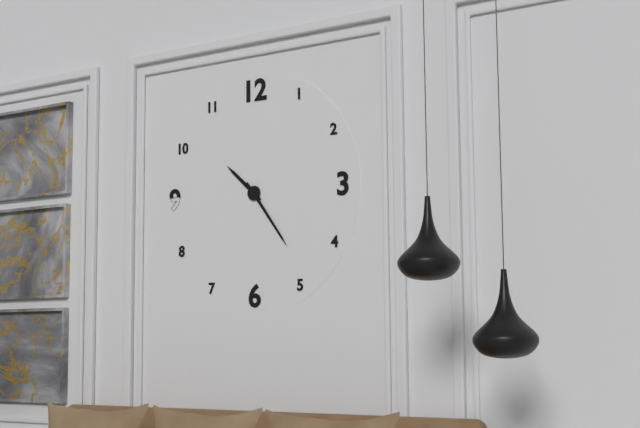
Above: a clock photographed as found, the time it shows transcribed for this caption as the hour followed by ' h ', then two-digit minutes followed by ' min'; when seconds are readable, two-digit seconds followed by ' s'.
10 h 24 min
